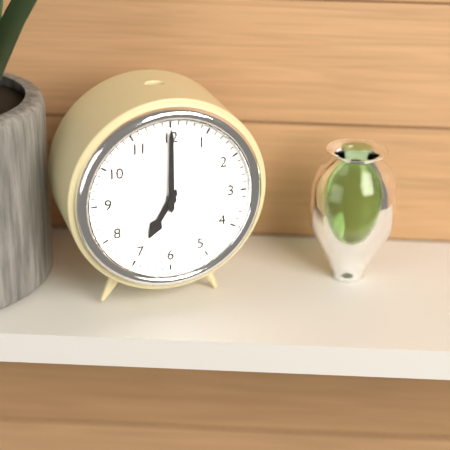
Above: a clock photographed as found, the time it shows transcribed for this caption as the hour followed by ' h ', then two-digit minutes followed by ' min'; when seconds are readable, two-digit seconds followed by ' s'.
7 h 00 min
